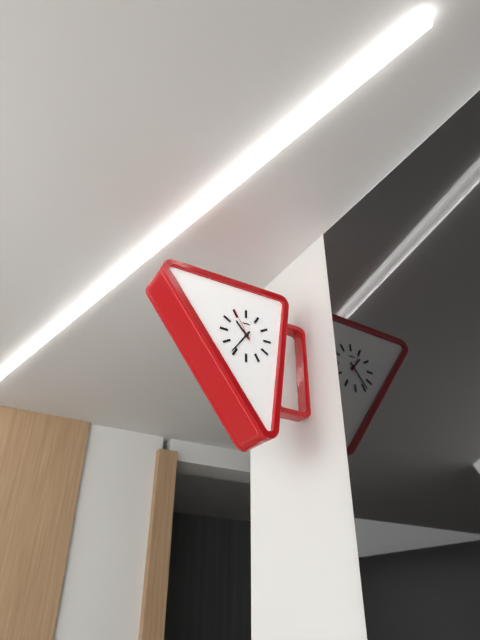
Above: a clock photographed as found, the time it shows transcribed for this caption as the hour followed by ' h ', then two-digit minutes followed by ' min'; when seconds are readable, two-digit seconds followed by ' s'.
10 h 36 min
